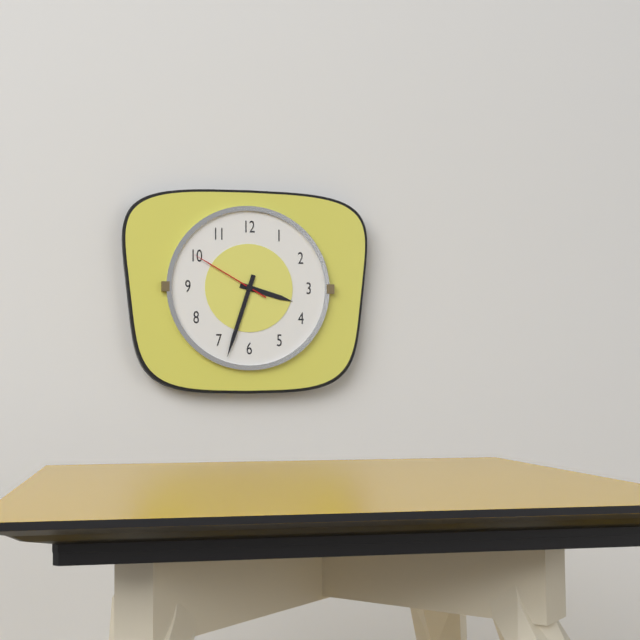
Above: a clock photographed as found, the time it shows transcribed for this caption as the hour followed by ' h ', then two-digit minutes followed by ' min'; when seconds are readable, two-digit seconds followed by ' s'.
3 h 33 min 50 s
